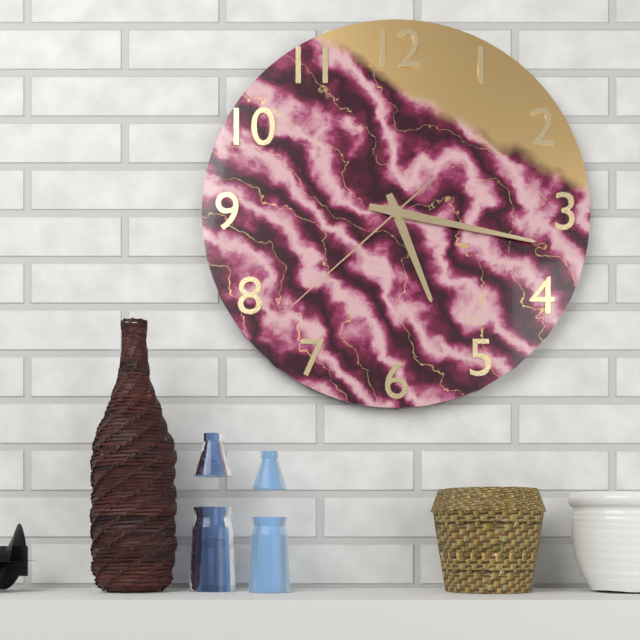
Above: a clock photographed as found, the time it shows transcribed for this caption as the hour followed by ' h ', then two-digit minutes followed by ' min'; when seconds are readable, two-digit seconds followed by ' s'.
5 h 17 min 38 s
